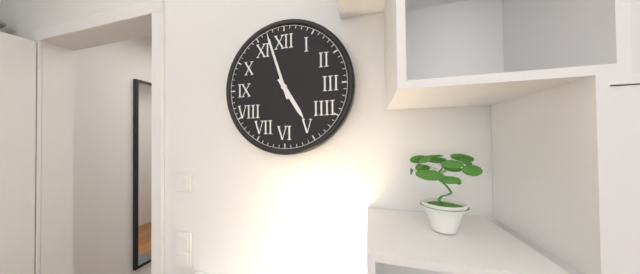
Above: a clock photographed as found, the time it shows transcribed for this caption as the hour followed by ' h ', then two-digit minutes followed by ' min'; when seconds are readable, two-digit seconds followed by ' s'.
4 h 57 min
